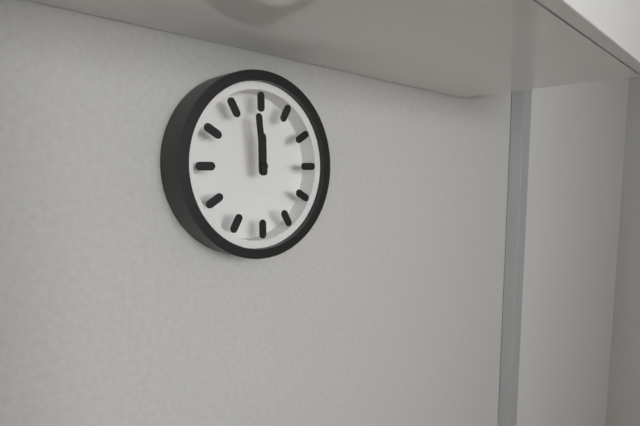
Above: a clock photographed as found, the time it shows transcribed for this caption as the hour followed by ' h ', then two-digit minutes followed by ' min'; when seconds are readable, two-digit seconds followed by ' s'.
11 h 59 min
